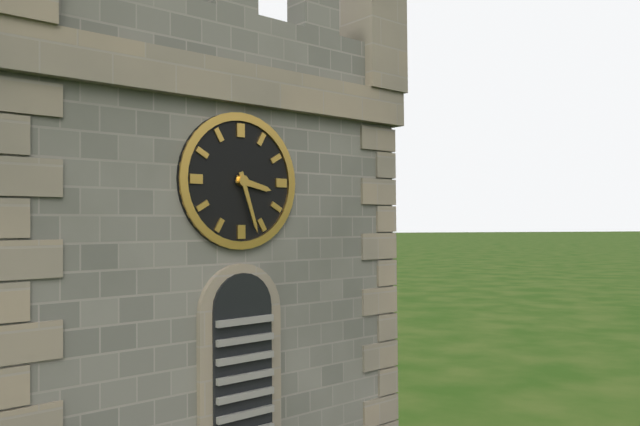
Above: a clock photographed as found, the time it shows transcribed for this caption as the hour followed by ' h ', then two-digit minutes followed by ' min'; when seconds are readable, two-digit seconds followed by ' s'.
3 h 27 min
